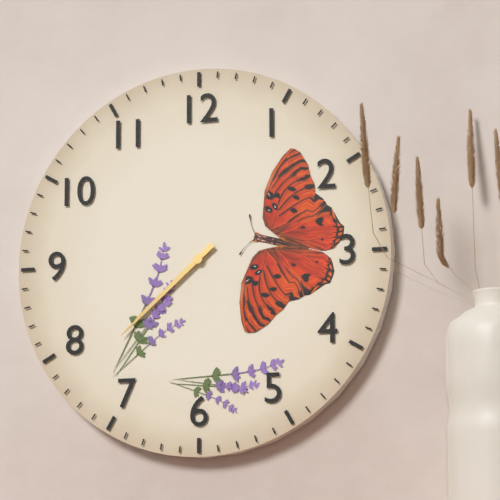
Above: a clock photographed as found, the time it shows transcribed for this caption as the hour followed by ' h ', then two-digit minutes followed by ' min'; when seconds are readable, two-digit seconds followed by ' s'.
7 h 38 min
